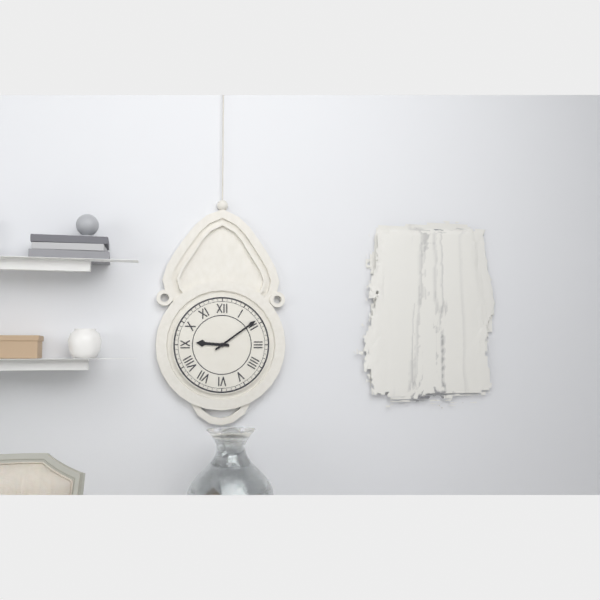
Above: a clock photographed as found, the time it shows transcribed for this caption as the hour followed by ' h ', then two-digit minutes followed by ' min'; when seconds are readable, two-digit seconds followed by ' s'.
9 h 09 min
